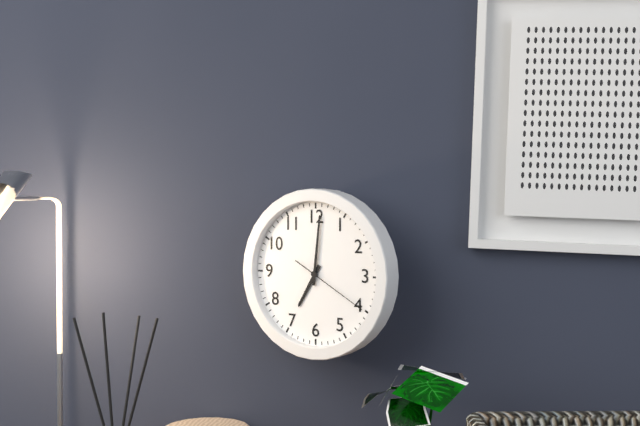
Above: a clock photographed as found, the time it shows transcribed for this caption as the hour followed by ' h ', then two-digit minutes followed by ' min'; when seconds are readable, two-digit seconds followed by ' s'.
7 h 01 min 20 s
